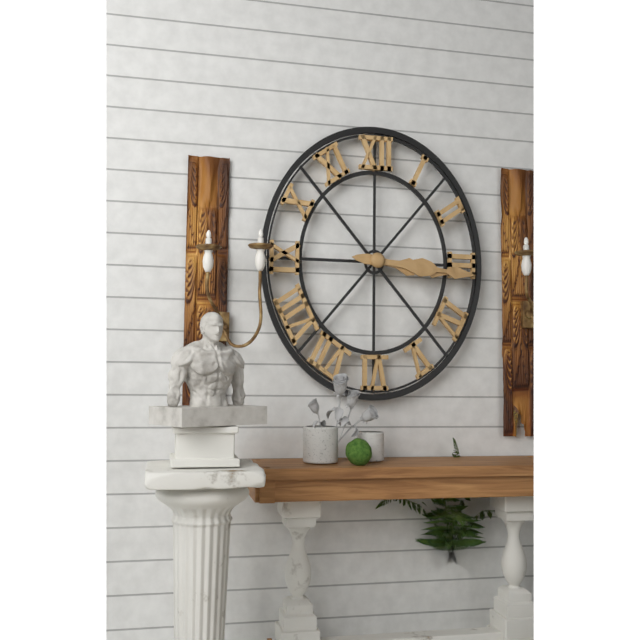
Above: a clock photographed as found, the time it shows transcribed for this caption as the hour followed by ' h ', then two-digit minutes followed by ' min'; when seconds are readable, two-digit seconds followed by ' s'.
3 h 16 min
